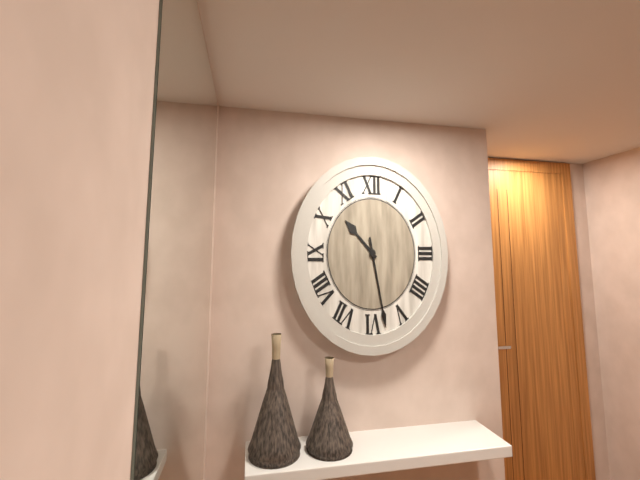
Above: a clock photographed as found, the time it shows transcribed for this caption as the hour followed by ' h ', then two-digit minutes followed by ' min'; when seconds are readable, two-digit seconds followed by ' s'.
10 h 28 min
